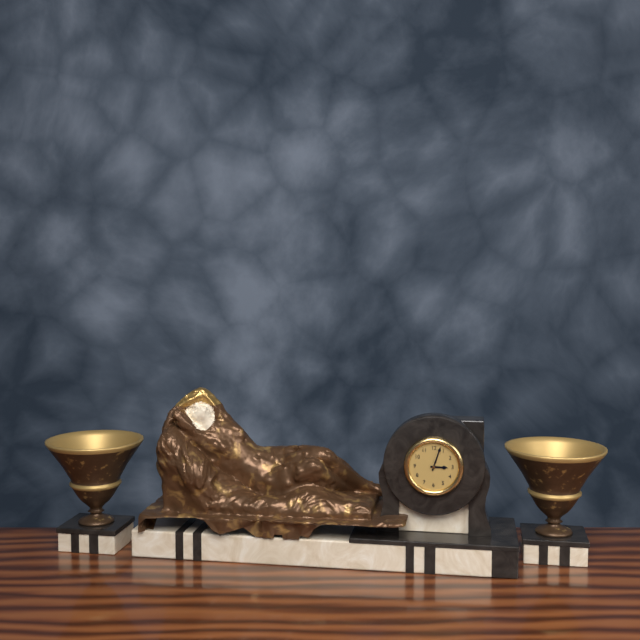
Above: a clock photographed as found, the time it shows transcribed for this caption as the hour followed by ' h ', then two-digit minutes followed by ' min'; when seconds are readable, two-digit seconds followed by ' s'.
3 h 03 min
